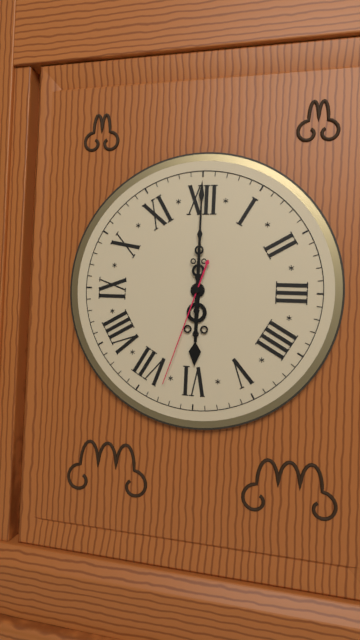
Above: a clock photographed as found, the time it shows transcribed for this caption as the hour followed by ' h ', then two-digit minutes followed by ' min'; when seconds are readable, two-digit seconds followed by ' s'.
6 h 00 min 33 s
